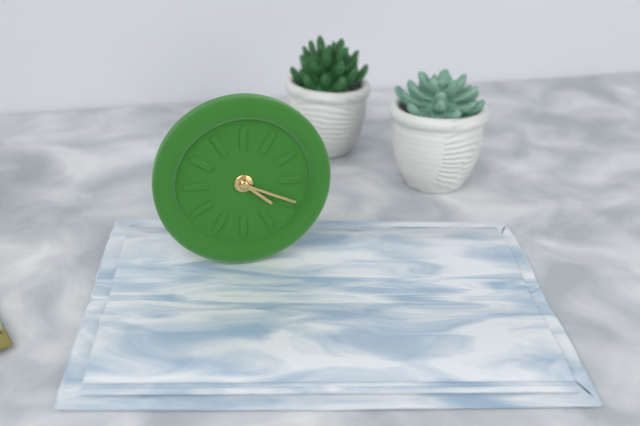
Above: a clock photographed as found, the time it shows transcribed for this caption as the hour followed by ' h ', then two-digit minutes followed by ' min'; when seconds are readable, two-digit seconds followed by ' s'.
4 h 19 min
